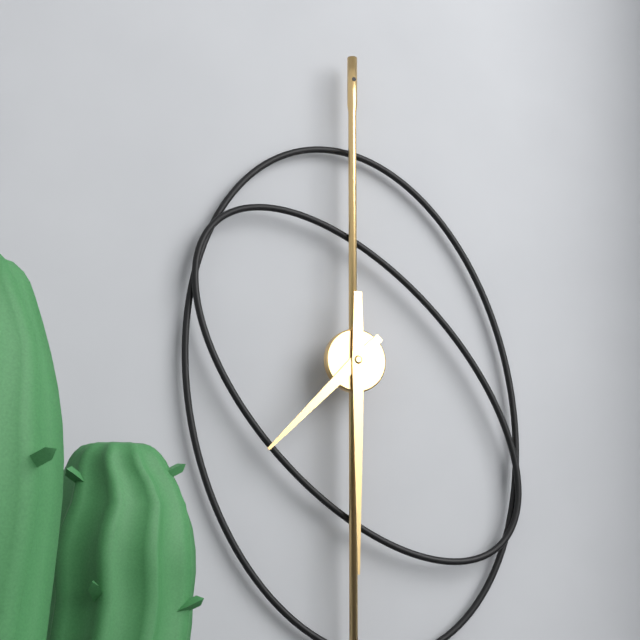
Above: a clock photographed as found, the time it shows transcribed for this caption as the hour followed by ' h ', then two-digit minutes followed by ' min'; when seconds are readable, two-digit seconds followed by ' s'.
7 h 30 min
